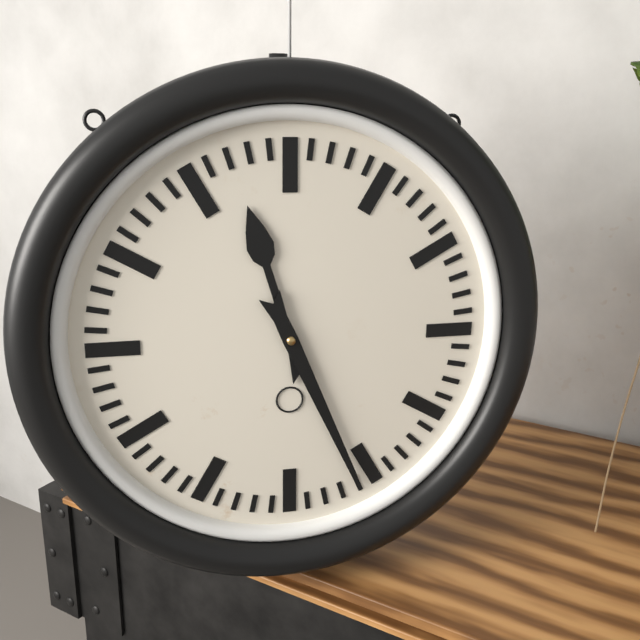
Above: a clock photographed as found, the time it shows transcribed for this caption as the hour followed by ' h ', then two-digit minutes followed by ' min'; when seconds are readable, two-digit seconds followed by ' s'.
11 h 26 min
